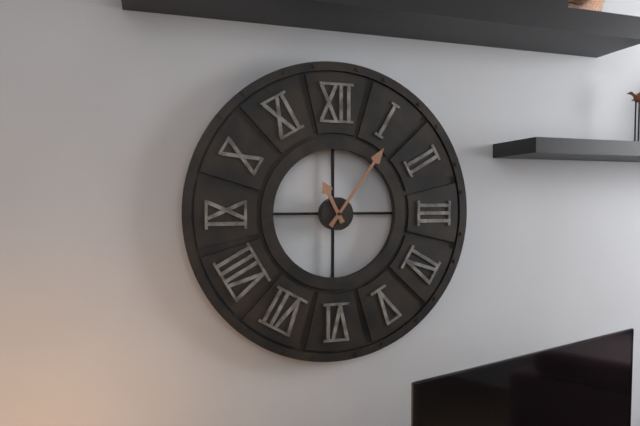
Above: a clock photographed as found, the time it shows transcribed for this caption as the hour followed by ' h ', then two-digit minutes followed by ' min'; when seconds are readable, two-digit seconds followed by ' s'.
11 h 06 min
